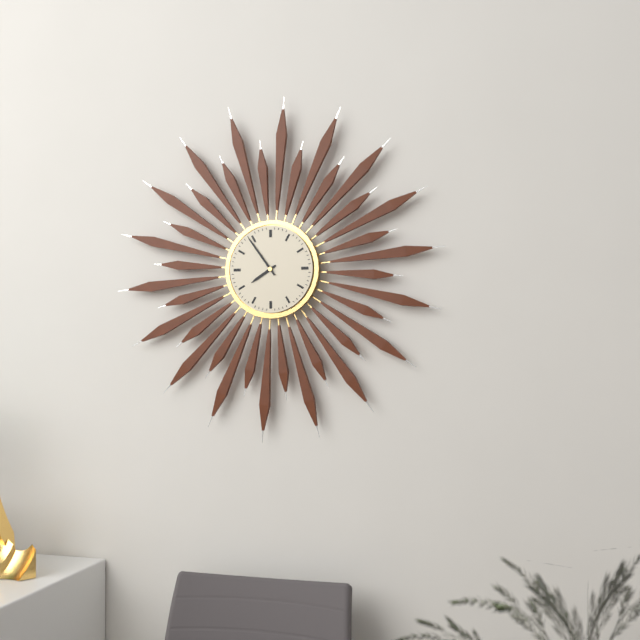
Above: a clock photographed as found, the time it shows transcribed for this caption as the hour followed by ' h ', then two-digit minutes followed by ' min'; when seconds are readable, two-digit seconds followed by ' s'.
7 h 54 min
